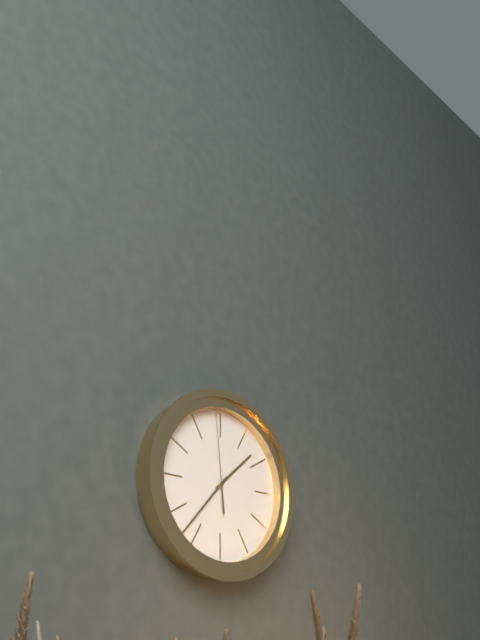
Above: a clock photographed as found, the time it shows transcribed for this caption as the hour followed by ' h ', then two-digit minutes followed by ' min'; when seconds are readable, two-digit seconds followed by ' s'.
1 h 37 min 59 s
